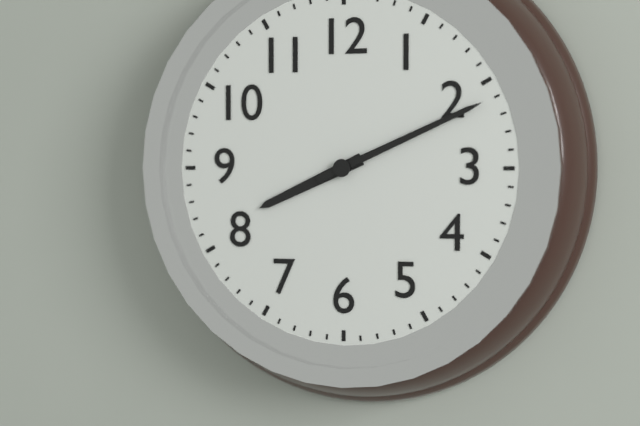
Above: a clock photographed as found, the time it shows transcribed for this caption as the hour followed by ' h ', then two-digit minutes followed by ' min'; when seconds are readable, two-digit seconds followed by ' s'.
8 h 11 min
